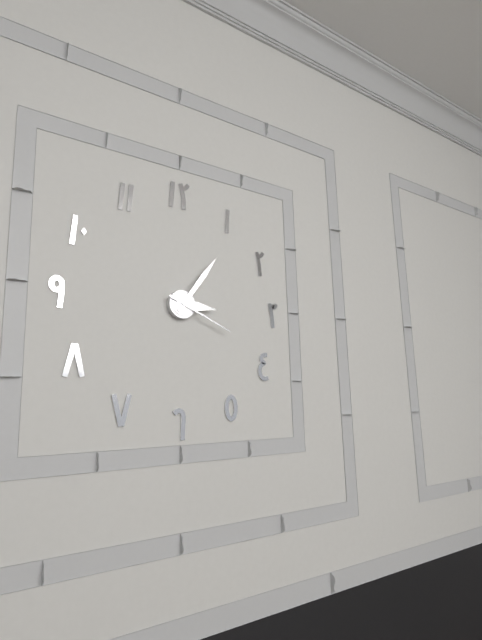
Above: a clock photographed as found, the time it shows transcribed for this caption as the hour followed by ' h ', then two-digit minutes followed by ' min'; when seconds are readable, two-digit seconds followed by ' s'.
3 h 06 min 19 s
